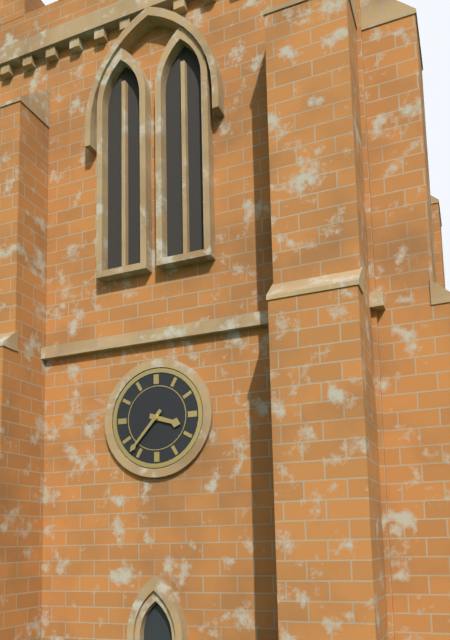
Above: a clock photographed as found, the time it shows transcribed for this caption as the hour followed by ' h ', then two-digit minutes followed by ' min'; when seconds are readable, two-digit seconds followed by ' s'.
3 h 37 min
